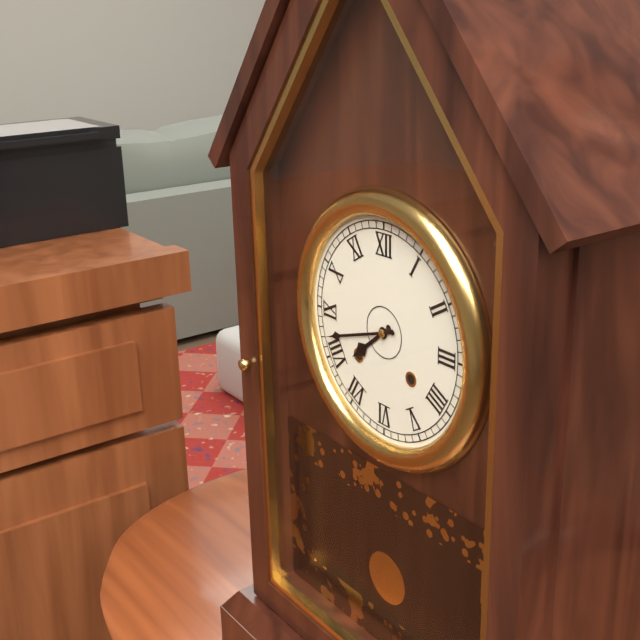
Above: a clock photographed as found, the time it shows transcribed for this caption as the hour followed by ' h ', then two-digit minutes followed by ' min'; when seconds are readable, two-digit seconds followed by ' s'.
7 h 42 min
